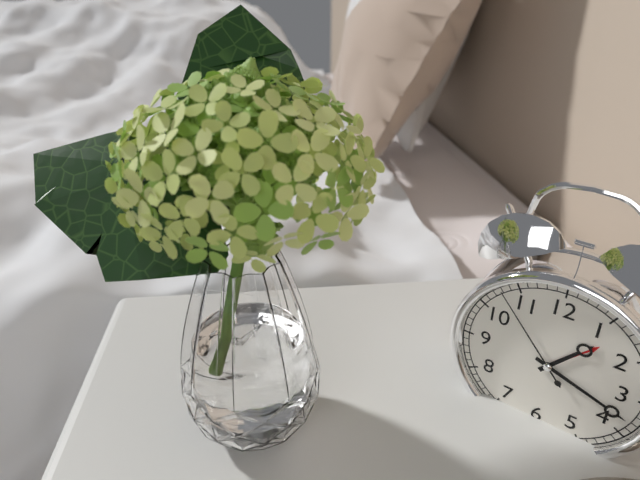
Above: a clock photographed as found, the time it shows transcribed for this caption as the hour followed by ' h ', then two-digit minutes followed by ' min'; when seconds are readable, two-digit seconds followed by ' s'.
1 h 18 min 53 s
